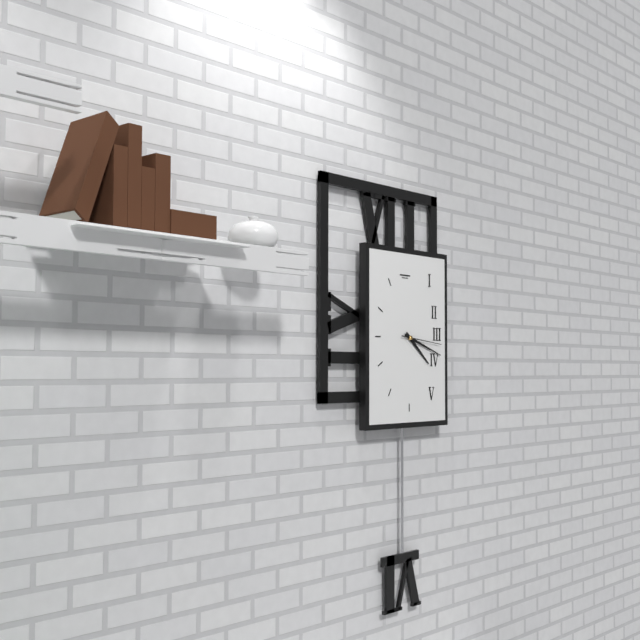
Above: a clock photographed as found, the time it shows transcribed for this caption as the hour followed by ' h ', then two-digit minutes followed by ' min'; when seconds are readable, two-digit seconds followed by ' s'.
4 h 18 min
